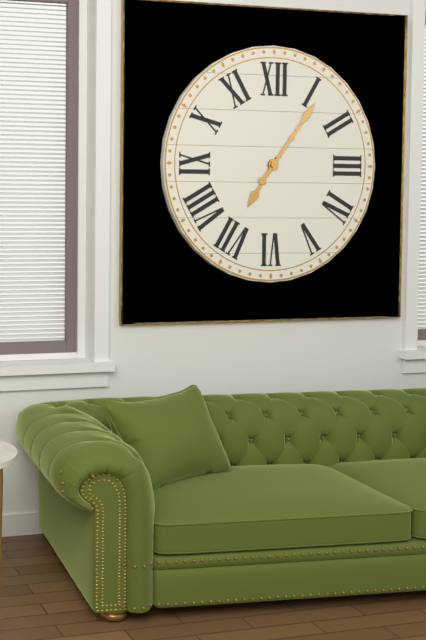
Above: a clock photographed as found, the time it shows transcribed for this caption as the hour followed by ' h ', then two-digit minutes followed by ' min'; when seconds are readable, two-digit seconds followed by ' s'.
7 h 06 min
